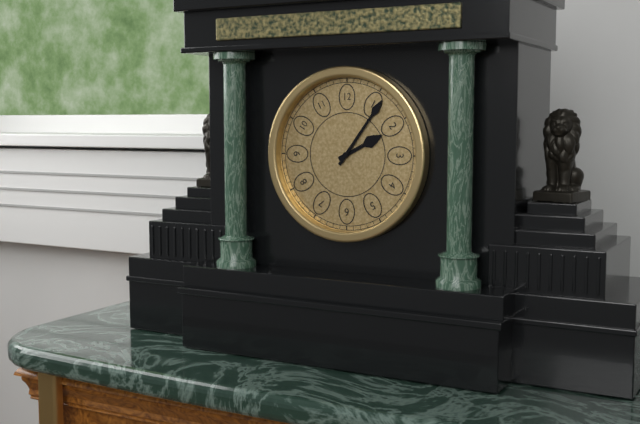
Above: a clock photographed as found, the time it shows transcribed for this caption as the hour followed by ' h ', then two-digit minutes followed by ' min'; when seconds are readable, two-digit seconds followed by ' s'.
2 h 06 min
